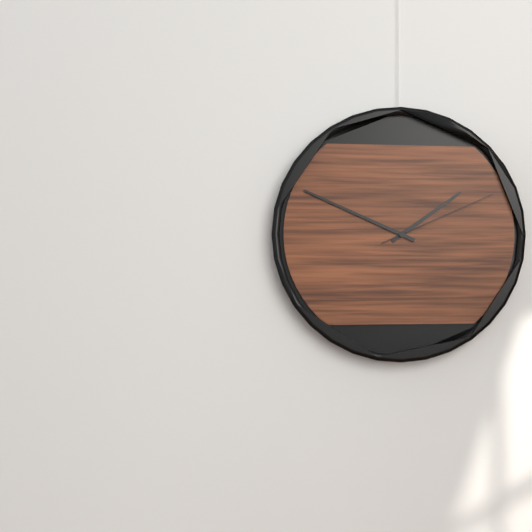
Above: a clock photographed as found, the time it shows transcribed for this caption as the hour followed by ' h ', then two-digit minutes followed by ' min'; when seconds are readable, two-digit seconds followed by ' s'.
1 h 49 min 11 s
